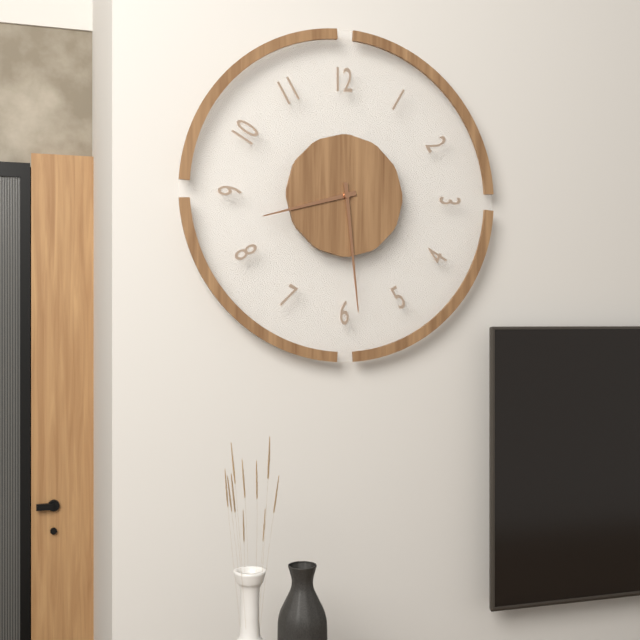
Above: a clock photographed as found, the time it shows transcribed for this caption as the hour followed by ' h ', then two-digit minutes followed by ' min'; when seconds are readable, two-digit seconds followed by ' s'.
8 h 29 min
